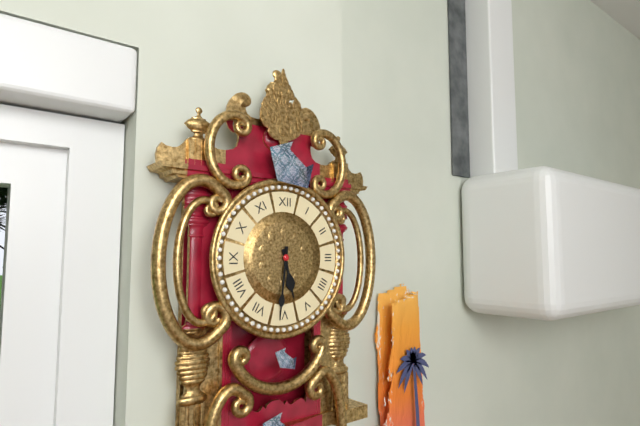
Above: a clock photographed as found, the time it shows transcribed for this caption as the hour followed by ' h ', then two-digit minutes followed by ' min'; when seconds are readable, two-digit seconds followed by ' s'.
5 h 31 min
